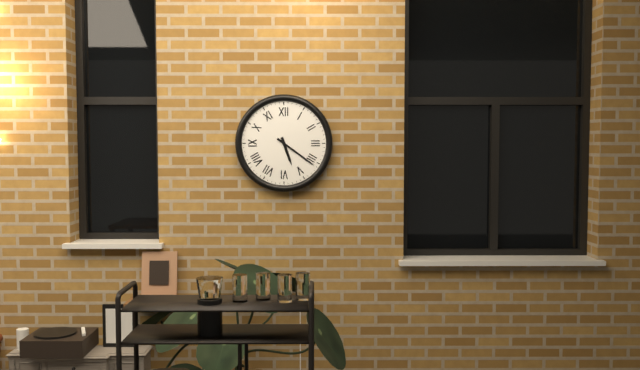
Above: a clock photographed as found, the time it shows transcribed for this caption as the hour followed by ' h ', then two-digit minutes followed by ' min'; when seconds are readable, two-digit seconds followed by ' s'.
5 h 21 min
